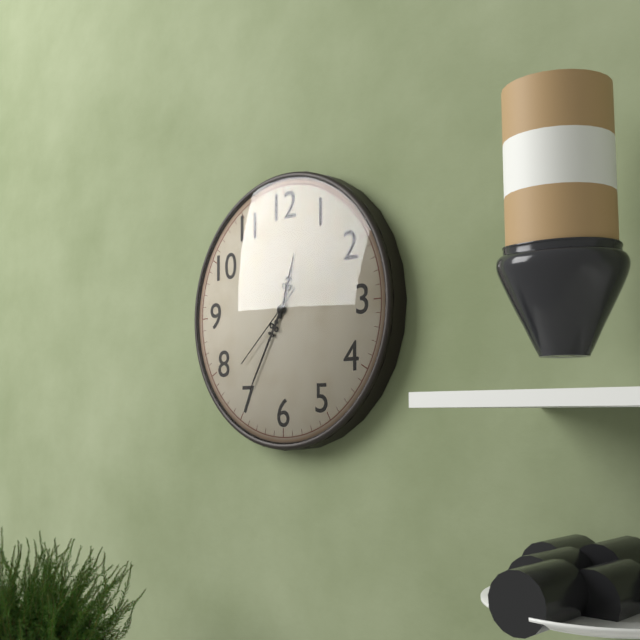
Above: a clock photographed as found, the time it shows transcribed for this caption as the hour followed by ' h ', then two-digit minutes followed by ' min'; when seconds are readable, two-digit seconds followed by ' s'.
12 h 35 min 38 s
